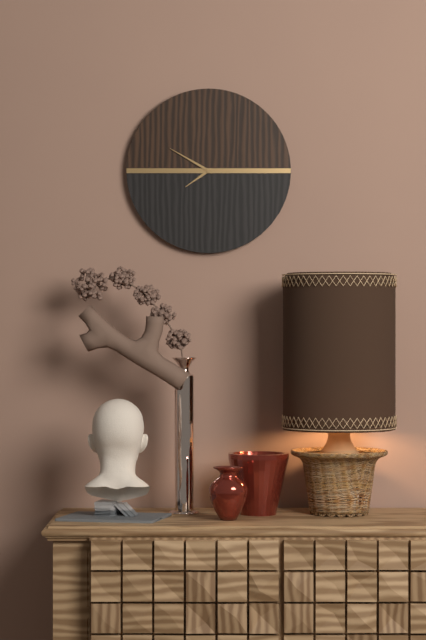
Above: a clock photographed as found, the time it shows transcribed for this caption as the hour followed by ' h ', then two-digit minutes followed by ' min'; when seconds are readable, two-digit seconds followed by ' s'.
7 h 50 min
